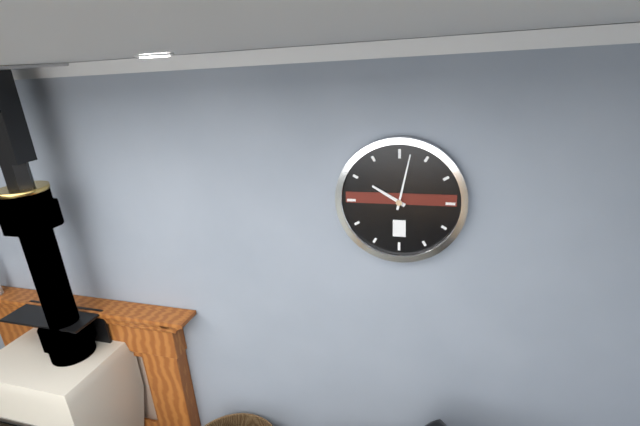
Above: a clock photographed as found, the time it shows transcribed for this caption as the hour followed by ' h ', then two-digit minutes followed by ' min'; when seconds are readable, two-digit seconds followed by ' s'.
10 h 02 min
